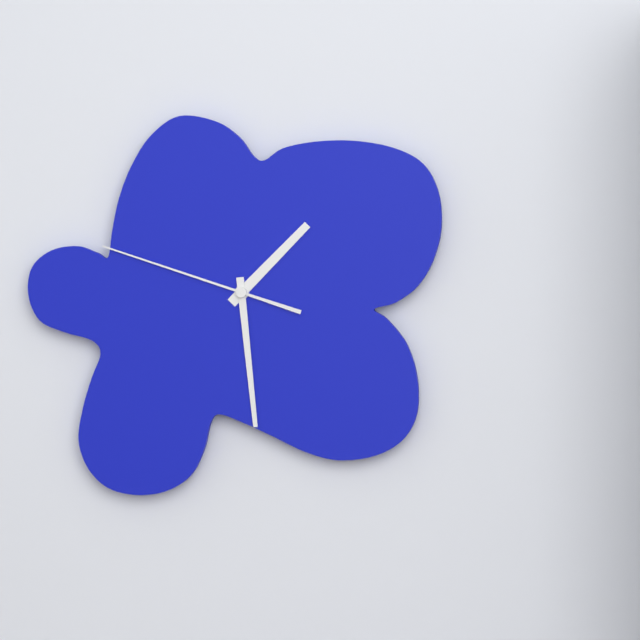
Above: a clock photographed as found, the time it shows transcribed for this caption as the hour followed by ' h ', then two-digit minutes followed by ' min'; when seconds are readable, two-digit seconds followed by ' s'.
1 h 29 min 48 s
